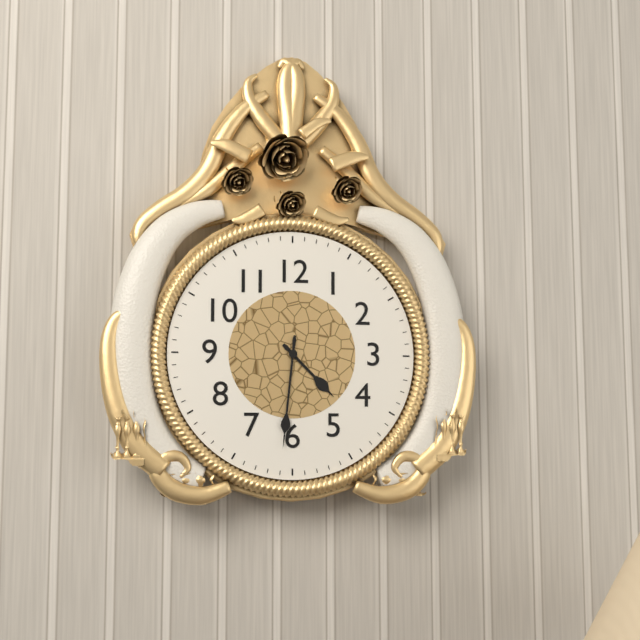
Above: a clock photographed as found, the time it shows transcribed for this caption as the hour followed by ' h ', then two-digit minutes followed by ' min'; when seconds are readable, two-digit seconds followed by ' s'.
4 h 31 min
